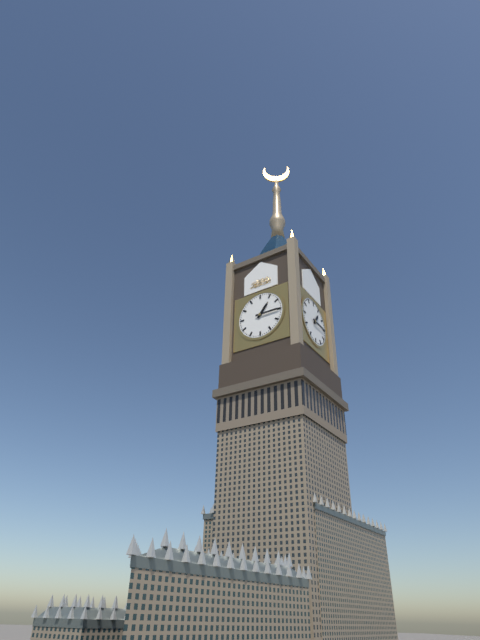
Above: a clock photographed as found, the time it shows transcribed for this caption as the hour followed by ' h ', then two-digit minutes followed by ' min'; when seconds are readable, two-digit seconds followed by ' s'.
1 h 15 min
